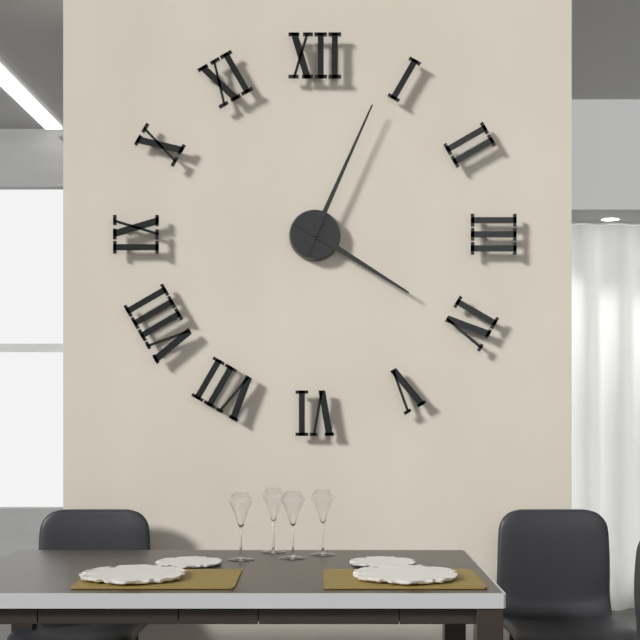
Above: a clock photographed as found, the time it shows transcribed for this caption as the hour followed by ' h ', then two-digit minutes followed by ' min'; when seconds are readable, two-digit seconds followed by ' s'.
4 h 04 min
